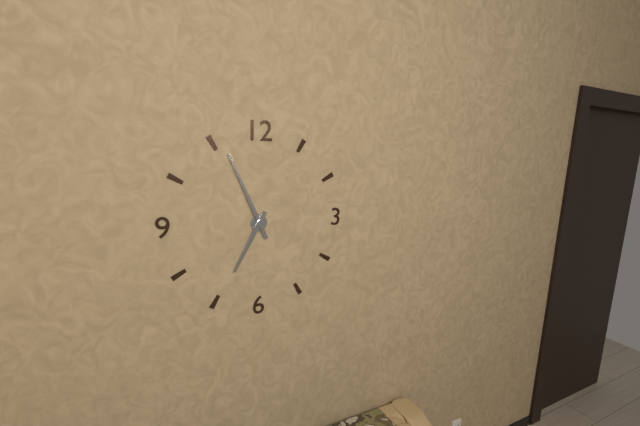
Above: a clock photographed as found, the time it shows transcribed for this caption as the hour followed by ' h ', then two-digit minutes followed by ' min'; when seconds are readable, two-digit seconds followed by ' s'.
6 h 56 min
